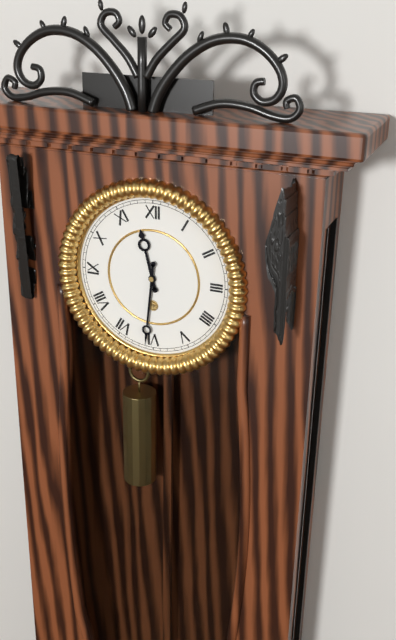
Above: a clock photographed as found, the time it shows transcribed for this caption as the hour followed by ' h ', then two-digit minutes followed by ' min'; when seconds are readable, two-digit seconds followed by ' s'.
11 h 31 min
